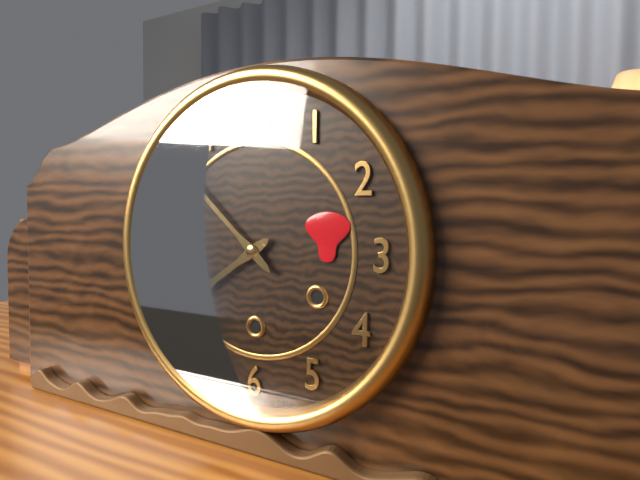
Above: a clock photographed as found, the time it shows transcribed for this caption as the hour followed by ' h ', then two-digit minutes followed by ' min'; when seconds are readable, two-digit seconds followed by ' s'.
7 h 52 min
